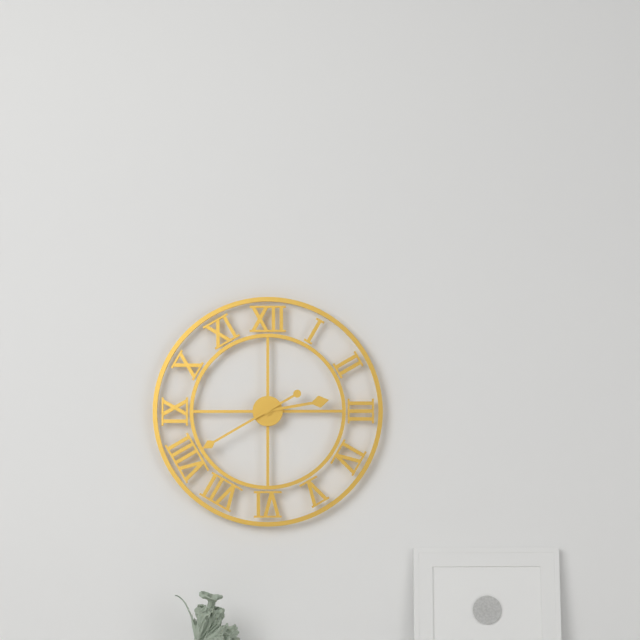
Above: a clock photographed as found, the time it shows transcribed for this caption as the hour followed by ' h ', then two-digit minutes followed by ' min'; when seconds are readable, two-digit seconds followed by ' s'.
2 h 40 min
